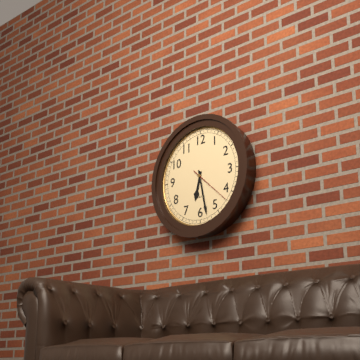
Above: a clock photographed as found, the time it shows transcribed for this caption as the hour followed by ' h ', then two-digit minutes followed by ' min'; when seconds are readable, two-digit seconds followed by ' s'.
6 h 28 min
